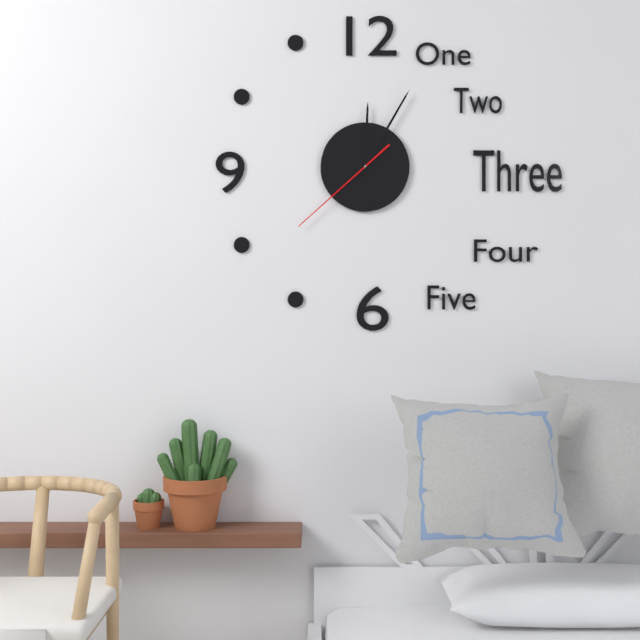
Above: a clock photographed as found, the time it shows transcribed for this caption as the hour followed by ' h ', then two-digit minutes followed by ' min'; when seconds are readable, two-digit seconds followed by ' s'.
12 h 05 min 38 s
